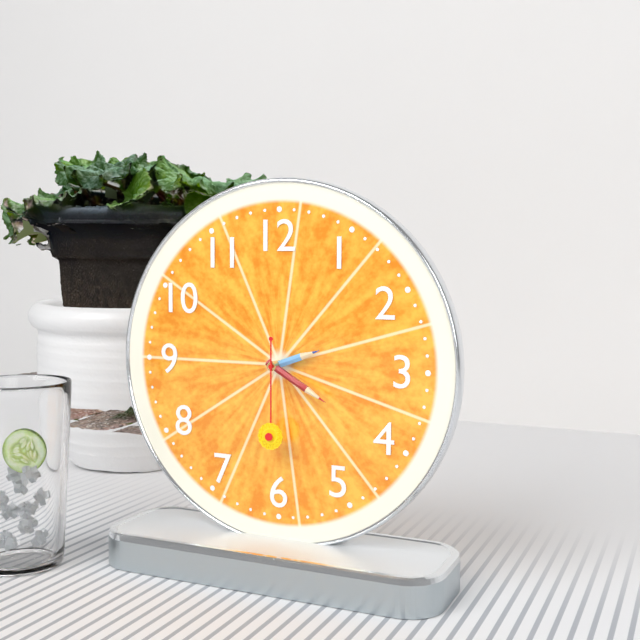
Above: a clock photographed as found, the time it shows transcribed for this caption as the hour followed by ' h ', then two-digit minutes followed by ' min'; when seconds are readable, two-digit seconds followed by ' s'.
2 h 20 min 30 s
